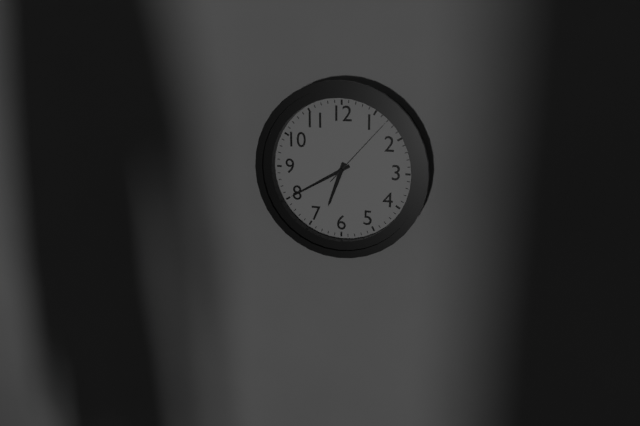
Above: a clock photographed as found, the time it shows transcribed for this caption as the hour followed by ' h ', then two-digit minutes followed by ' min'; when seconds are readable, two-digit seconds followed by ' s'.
6 h 40 min 07 s
